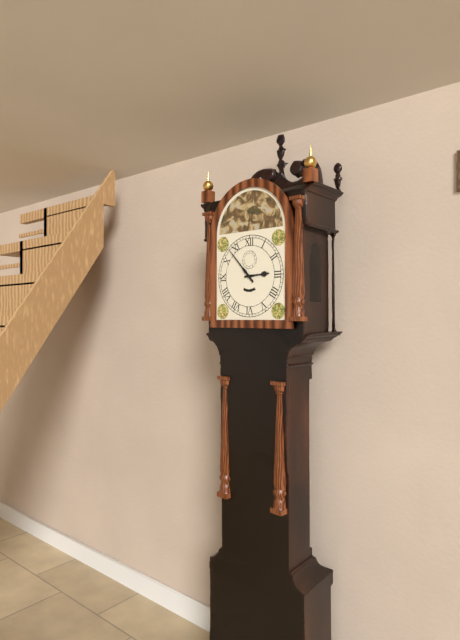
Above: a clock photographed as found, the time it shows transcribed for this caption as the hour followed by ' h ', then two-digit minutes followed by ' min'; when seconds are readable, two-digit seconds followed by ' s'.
2 h 53 min
